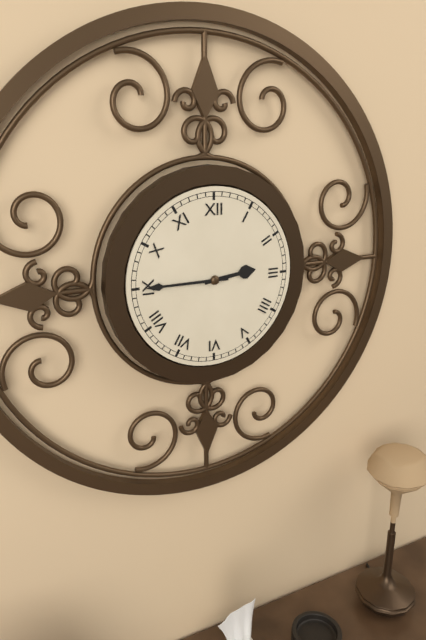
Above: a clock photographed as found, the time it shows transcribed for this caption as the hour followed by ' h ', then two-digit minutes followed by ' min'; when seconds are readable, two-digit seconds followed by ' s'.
2 h 45 min
